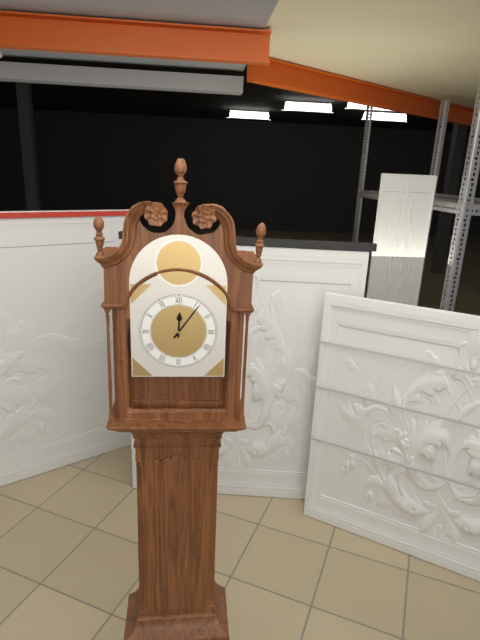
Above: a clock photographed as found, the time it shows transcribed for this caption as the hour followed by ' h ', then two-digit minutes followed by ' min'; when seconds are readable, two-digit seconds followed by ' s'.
12 h 06 min
